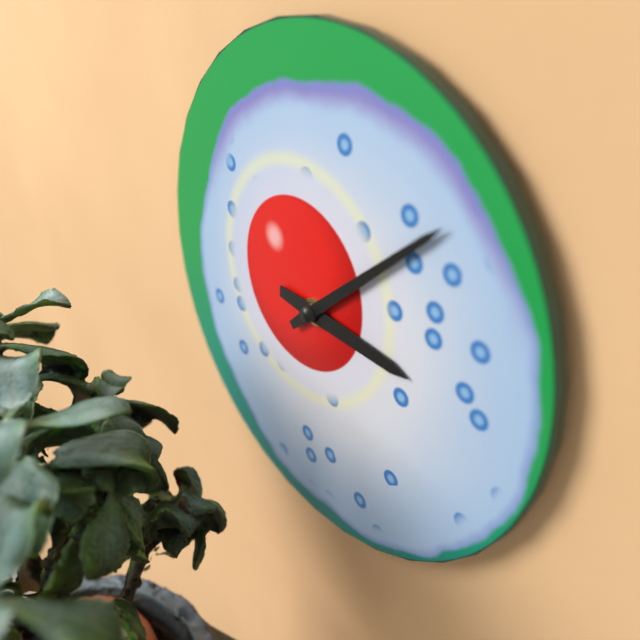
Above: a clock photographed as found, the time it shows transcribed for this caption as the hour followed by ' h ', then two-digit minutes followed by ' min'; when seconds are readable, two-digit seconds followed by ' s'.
3 h 08 min
